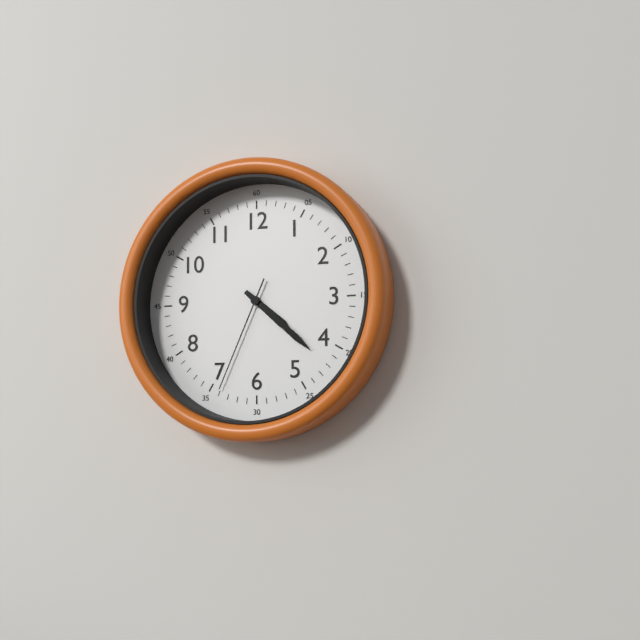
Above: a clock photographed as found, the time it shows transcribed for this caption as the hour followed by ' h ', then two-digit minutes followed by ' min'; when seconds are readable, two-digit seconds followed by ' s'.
4 h 22 min 34 s
